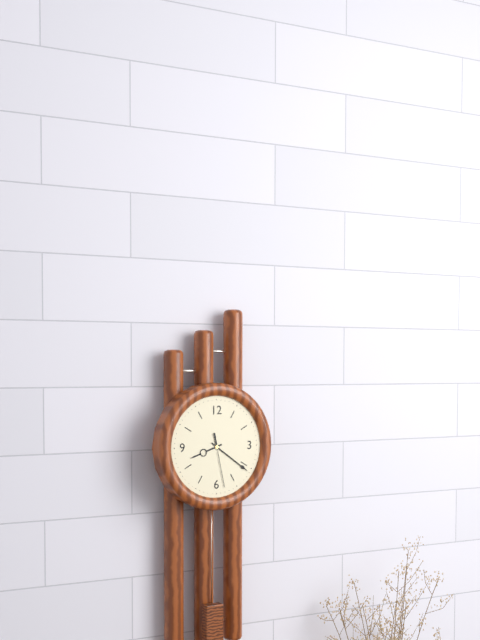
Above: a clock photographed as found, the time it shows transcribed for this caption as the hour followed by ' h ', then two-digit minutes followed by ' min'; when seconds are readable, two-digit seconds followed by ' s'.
8 h 21 min 28 s
